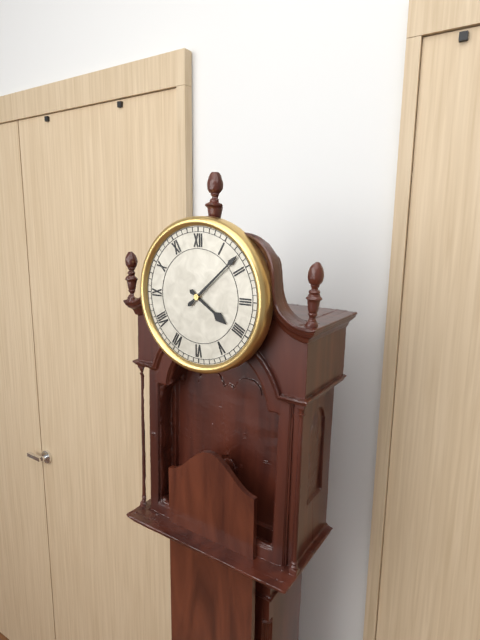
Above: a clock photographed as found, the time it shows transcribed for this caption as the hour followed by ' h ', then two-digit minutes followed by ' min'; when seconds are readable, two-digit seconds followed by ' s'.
4 h 08 min
